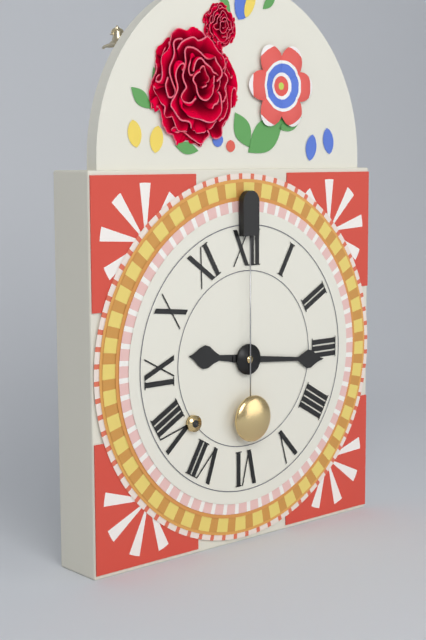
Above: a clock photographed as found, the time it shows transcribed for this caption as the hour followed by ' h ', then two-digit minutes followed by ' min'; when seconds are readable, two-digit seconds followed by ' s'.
9 h 16 min
